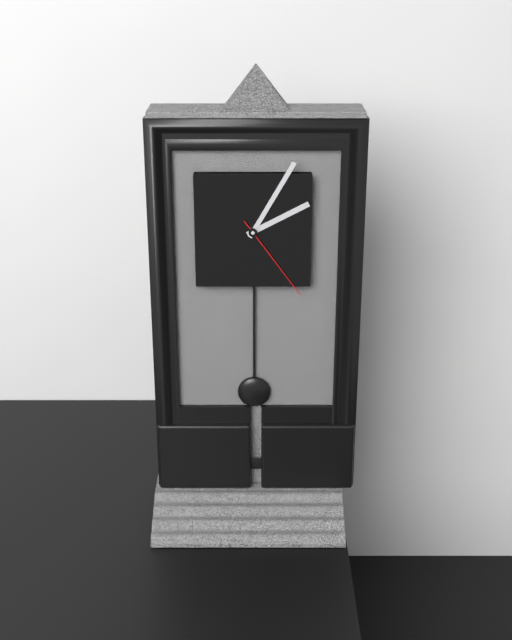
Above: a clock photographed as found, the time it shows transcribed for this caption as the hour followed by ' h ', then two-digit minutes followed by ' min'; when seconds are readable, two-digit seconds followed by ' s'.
2 h 05 min 24 s
